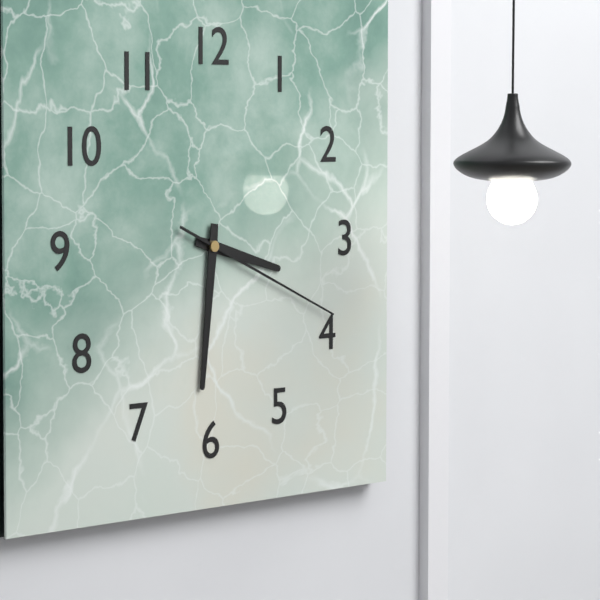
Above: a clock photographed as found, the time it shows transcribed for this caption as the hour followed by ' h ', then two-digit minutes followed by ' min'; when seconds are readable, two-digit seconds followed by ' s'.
3 h 31 min 19 s
